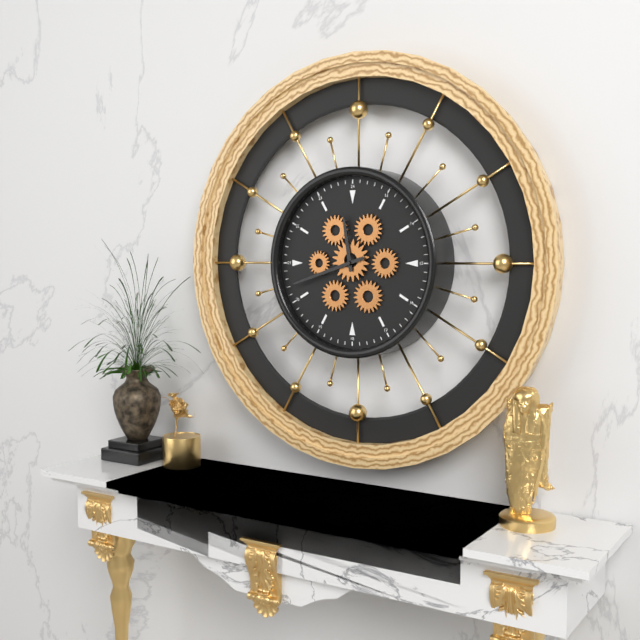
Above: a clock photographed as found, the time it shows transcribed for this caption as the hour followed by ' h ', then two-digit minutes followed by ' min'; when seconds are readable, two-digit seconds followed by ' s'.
11 h 42 min
